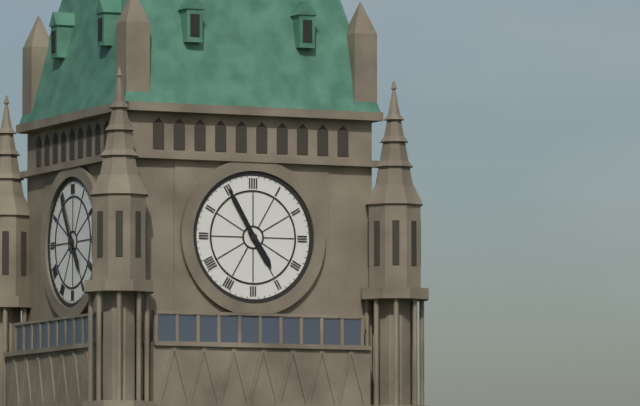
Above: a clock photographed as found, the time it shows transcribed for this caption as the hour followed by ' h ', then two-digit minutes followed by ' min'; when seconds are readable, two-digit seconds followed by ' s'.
4 h 55 min
